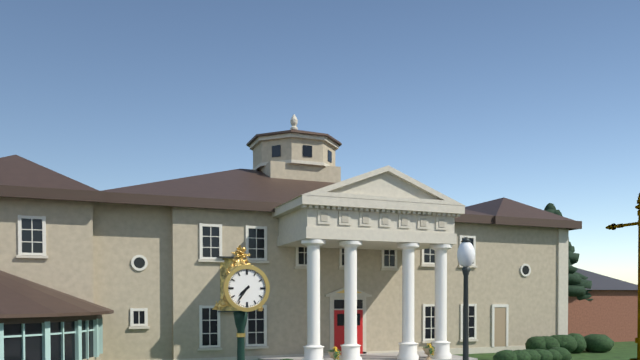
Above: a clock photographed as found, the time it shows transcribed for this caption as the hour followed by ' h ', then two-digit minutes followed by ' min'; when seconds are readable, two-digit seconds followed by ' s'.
7 h 36 min
